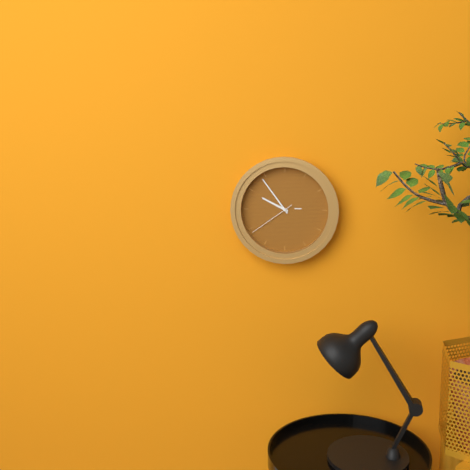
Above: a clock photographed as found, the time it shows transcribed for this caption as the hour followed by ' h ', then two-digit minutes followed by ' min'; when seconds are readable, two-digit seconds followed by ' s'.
9 h 54 min
